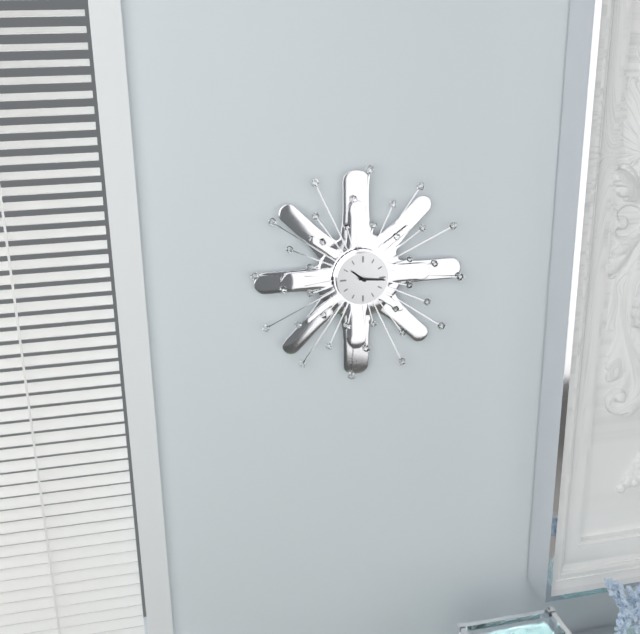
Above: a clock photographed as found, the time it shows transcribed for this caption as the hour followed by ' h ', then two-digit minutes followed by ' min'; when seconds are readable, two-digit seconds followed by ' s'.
10 h 16 min
